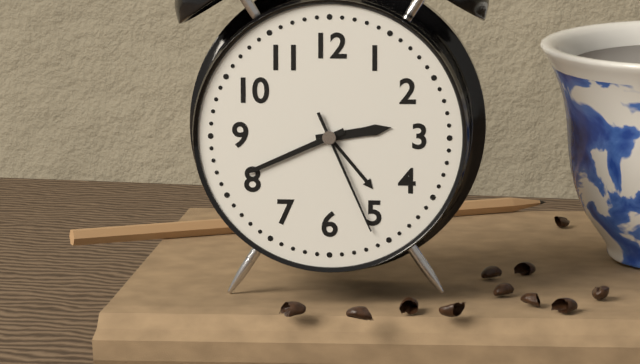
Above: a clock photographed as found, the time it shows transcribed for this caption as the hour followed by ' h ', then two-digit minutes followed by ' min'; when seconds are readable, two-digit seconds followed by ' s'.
2 h 41 min 26 s
